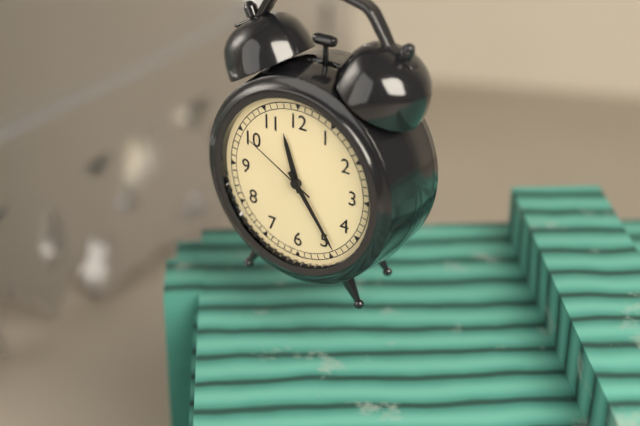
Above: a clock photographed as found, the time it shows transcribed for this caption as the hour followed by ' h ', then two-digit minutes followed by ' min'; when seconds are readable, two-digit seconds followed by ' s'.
11 h 24 min 50 s
